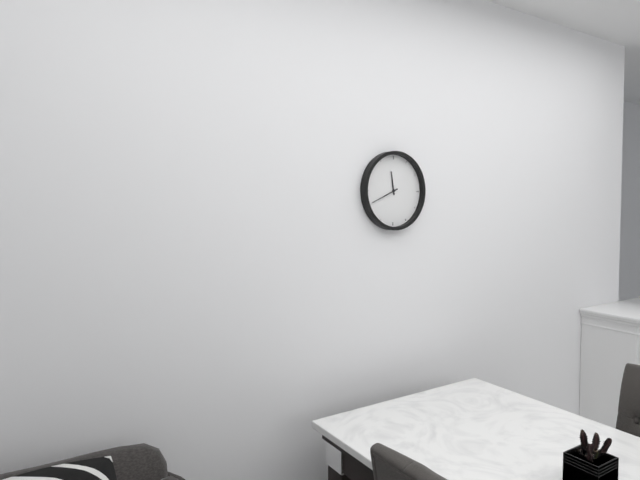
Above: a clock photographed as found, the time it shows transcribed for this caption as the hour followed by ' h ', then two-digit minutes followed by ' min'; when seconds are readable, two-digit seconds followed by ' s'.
11 h 41 min
